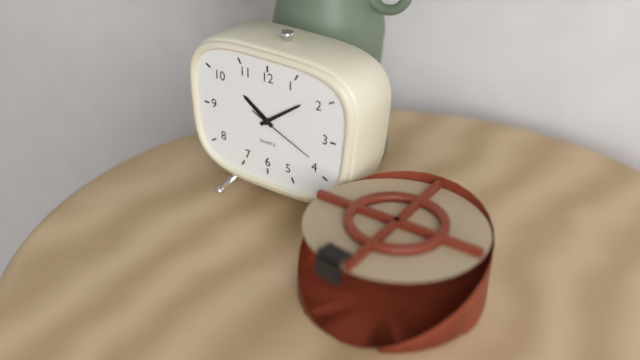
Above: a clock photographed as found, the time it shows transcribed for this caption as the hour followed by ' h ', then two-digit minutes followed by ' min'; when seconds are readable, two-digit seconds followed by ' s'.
10 h 09 min 19 s
